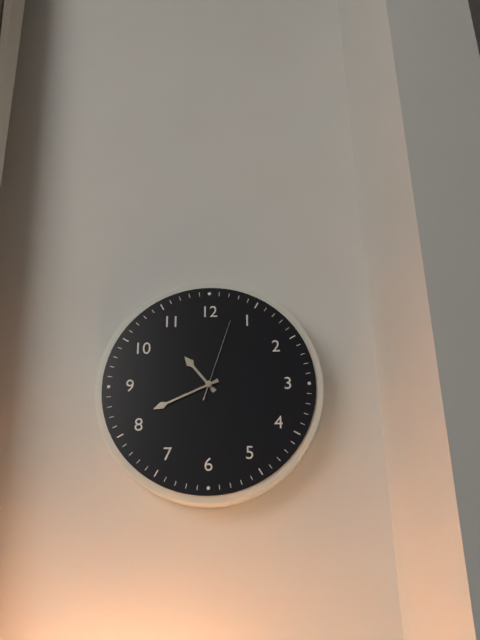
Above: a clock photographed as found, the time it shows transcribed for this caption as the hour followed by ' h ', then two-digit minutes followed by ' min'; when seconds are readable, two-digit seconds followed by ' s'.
10 h 41 min 03 s
